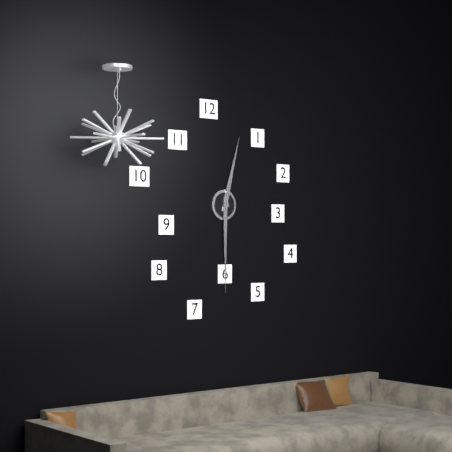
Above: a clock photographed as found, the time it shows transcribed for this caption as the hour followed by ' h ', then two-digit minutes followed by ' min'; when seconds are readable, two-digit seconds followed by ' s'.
12 h 30 min
